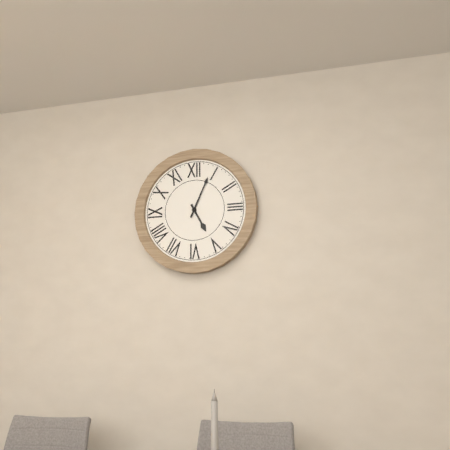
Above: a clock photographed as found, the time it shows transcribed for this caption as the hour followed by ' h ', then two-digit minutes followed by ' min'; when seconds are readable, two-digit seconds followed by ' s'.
5 h 04 min
